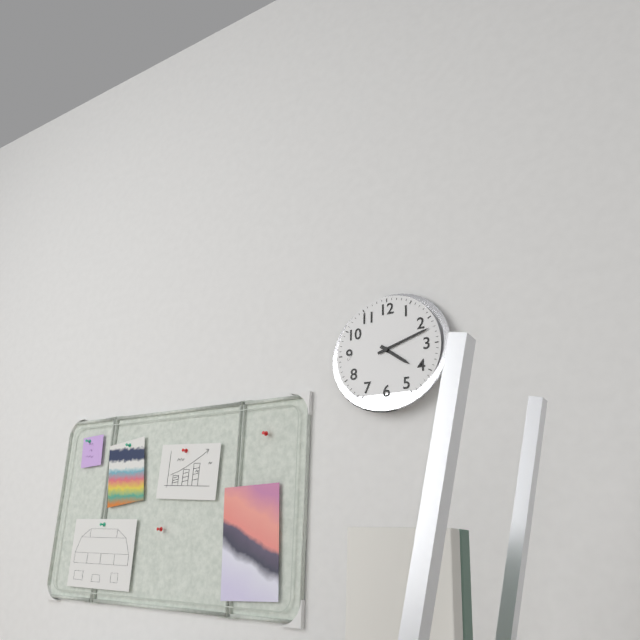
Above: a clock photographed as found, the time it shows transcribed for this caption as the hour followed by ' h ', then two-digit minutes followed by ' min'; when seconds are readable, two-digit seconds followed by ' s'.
4 h 12 min
